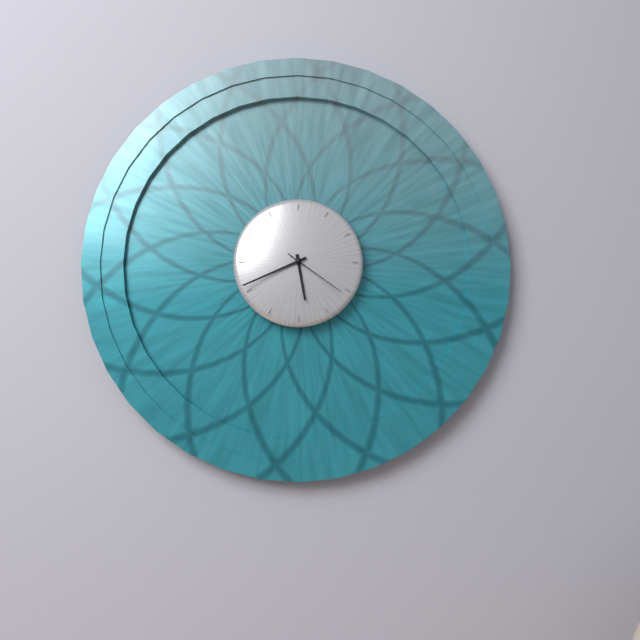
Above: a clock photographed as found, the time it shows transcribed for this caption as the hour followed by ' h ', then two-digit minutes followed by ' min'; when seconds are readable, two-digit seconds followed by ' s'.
5 h 41 min 21 s
